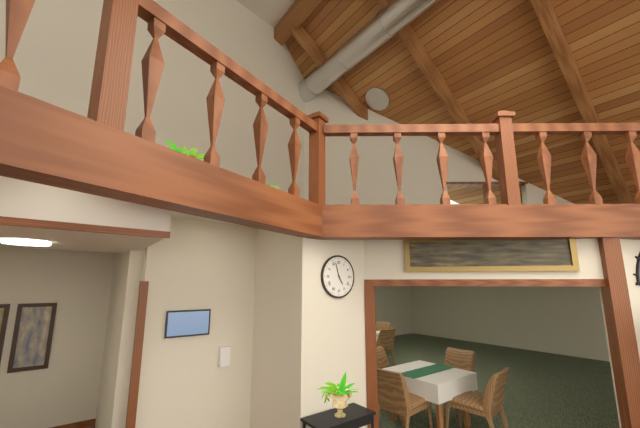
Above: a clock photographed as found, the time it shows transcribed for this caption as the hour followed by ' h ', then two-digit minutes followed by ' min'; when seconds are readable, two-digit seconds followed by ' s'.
4 h 57 min
